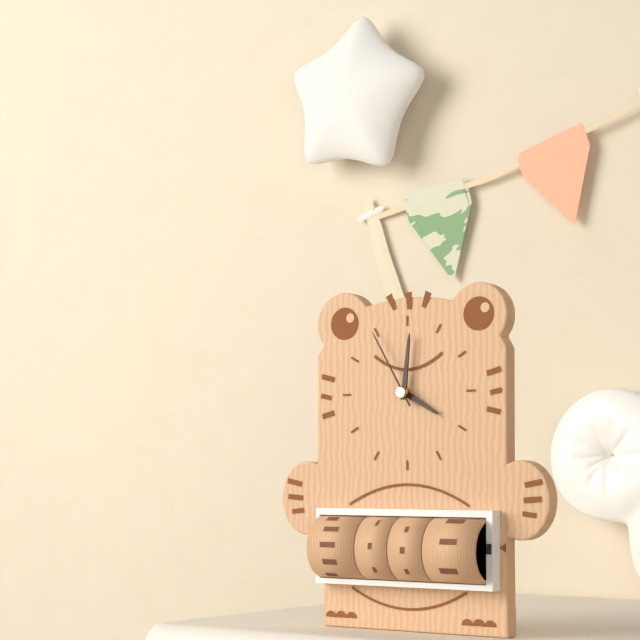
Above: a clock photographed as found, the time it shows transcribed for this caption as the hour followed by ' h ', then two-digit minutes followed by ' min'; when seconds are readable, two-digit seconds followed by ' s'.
4 h 01 min 55 s
